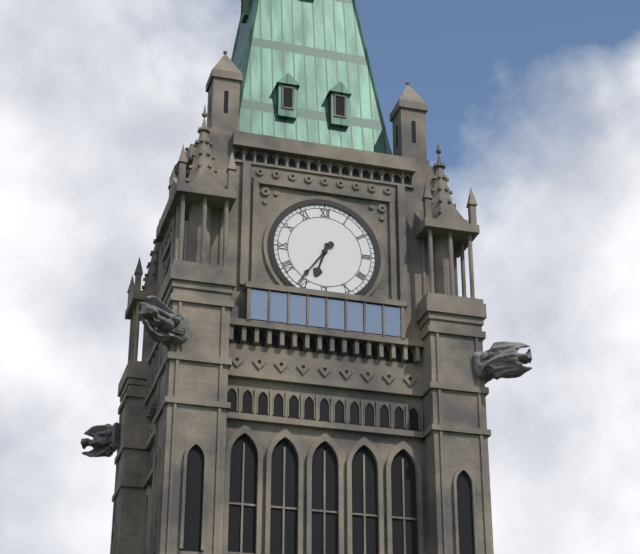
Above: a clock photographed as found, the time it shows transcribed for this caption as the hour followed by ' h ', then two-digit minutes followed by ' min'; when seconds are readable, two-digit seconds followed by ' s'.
6 h 36 min
